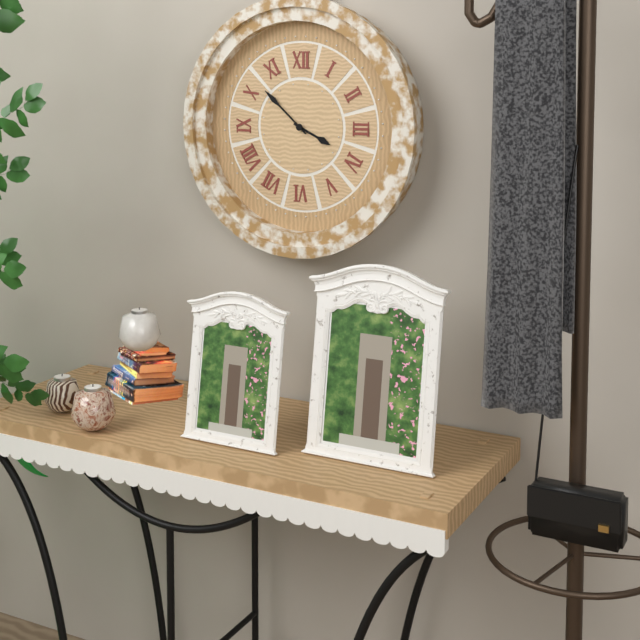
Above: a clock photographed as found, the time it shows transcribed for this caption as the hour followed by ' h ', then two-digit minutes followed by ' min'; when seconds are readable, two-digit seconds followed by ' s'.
3 h 52 min
